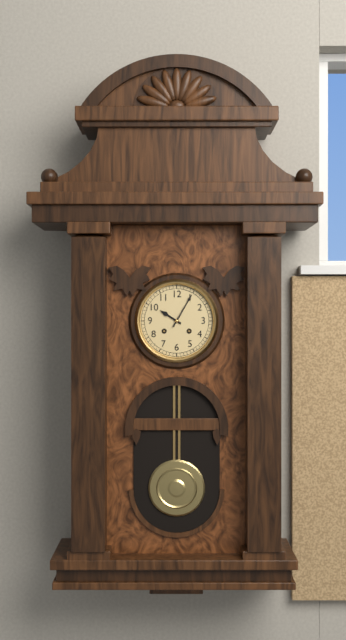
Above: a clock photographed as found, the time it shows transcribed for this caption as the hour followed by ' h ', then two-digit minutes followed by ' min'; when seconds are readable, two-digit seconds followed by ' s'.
10 h 05 min
